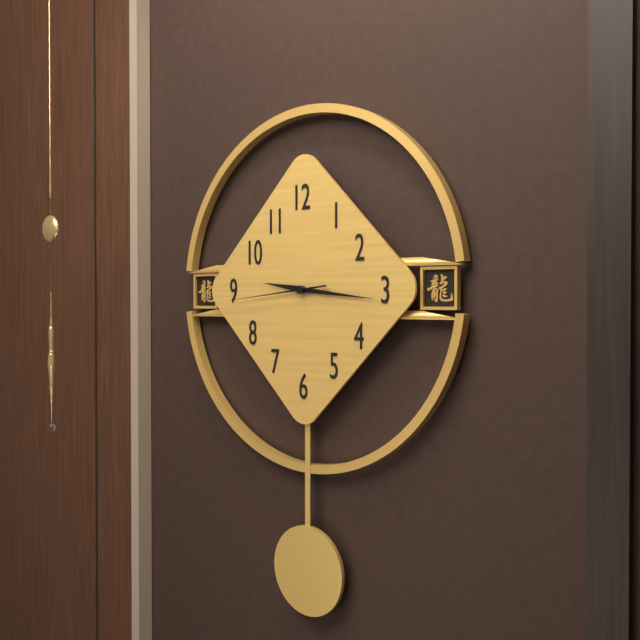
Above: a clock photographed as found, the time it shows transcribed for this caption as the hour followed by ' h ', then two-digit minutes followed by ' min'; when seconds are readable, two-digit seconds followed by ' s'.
9 h 16 min 44 s
